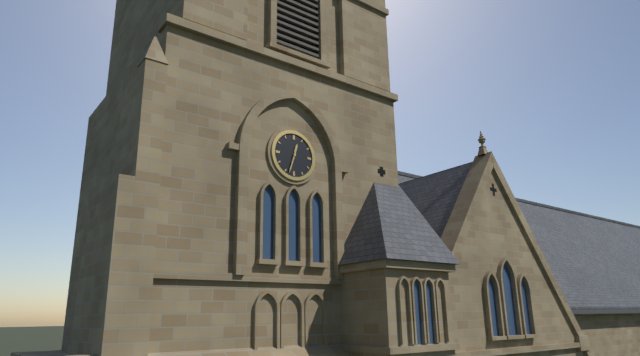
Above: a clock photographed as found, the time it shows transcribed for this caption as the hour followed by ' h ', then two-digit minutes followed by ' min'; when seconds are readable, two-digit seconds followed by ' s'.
12 h 33 min
